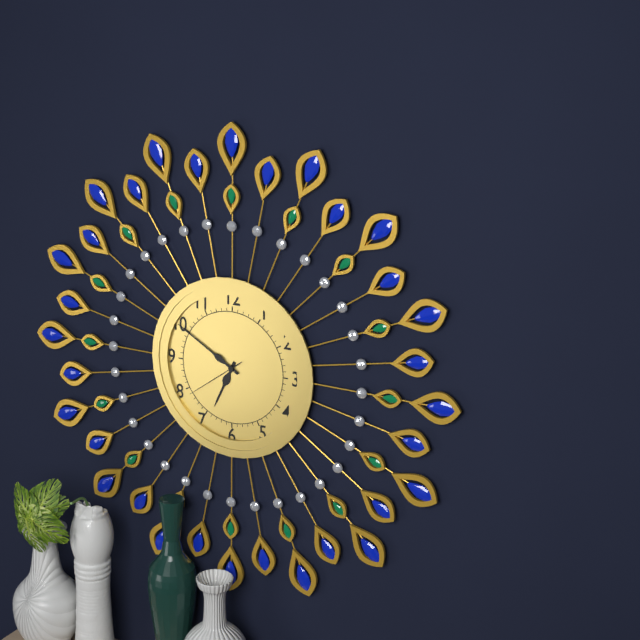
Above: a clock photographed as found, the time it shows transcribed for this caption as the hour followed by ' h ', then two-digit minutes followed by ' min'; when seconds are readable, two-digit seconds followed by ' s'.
6 h 50 min 39 s
